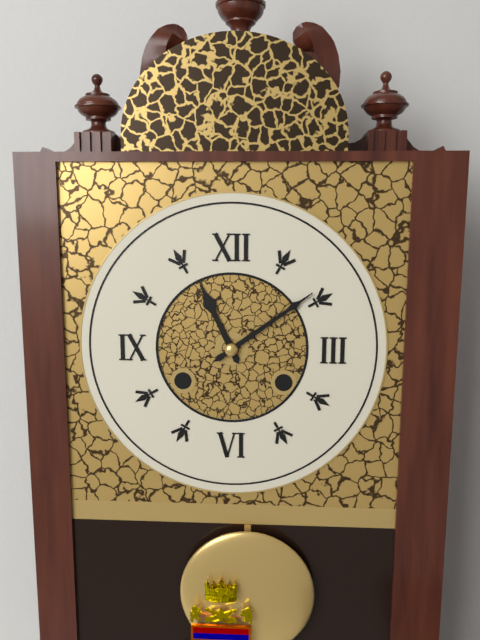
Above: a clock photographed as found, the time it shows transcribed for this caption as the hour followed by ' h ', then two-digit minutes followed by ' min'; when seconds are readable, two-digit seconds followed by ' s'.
11 h 09 min
